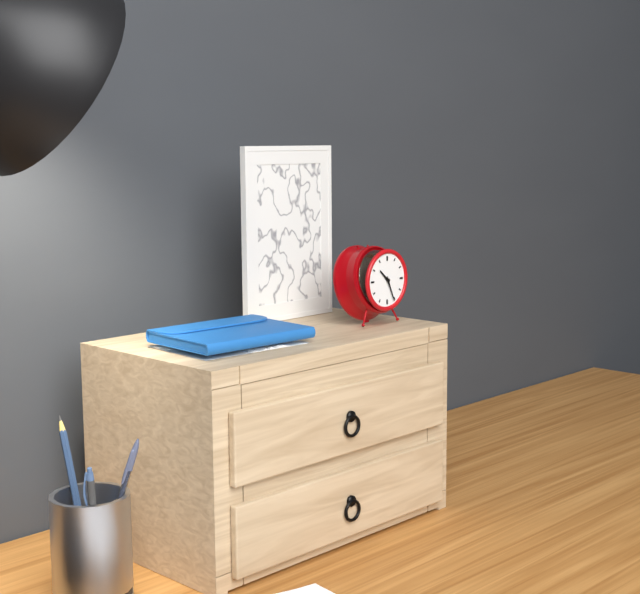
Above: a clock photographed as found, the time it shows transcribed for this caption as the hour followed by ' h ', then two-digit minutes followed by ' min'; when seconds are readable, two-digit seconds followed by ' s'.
10 h 26 min
